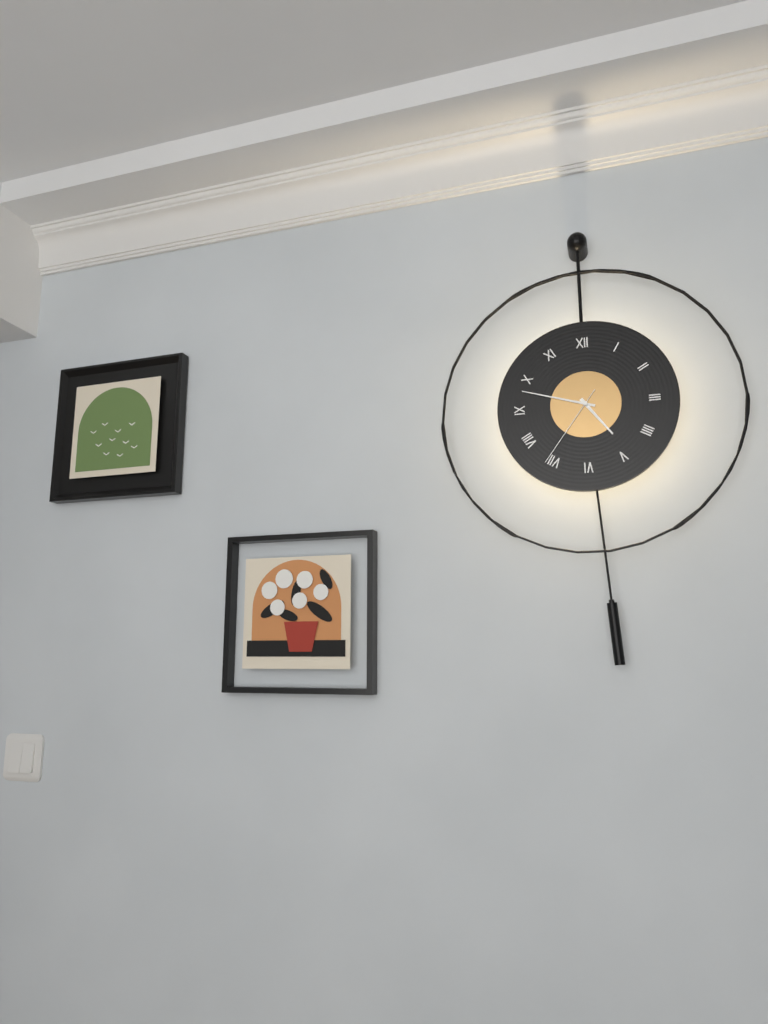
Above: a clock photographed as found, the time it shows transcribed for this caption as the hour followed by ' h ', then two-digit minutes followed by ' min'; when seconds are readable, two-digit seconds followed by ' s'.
4 h 48 min 36 s
